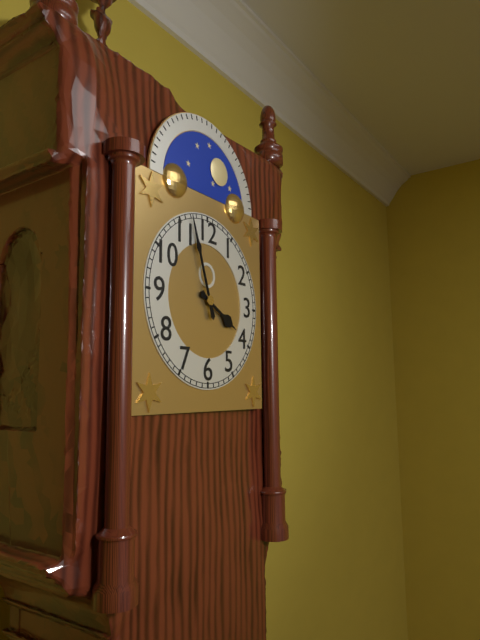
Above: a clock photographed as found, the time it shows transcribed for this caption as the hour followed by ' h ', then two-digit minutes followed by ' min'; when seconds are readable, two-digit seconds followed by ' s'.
3 h 57 min
